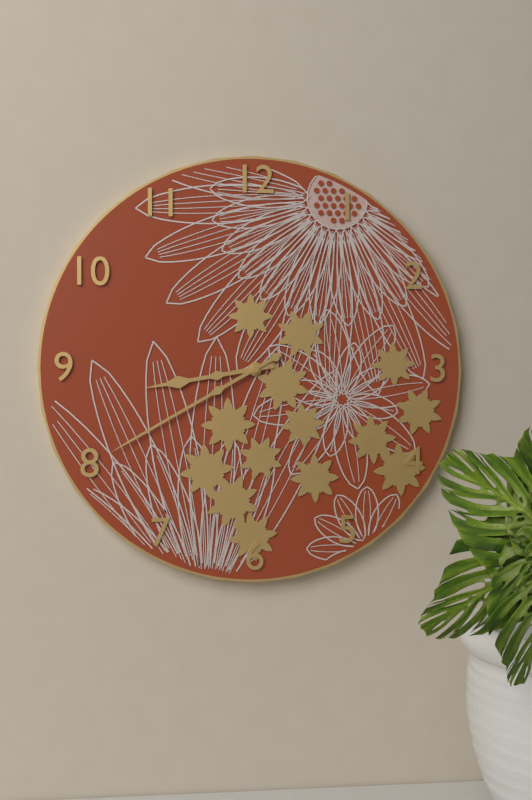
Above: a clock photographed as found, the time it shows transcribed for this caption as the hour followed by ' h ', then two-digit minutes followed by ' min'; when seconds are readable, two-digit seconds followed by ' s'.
8 h 40 min
